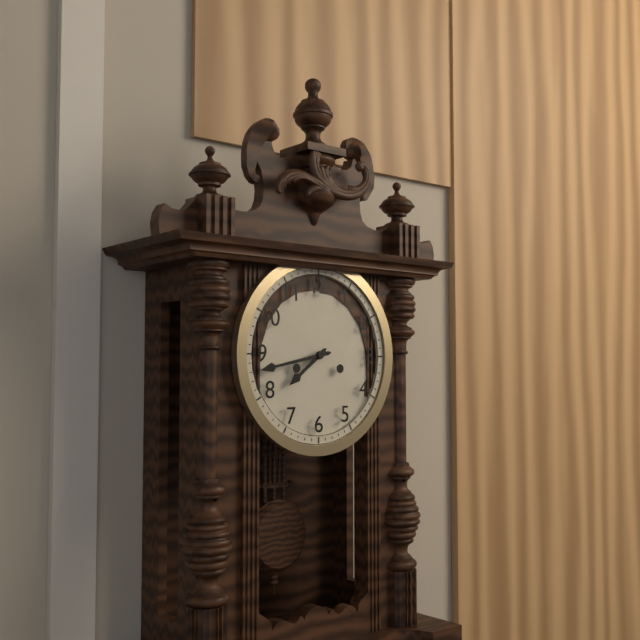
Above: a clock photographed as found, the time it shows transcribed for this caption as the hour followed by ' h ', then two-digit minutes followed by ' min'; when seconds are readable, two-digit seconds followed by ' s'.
7 h 43 min
